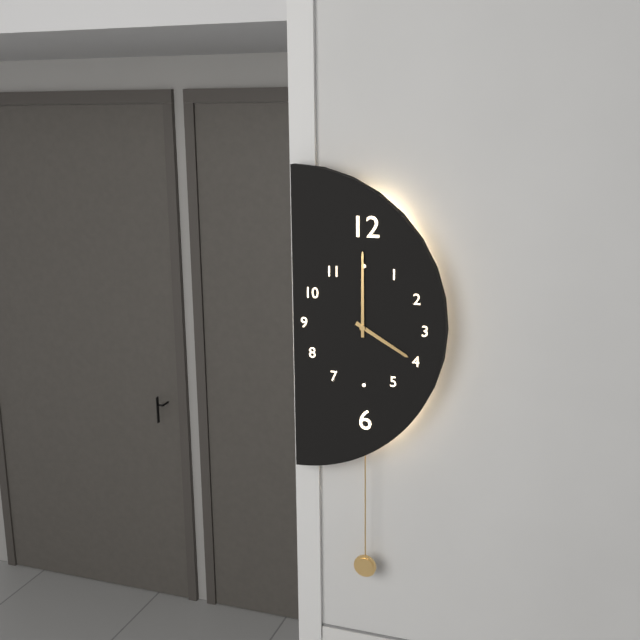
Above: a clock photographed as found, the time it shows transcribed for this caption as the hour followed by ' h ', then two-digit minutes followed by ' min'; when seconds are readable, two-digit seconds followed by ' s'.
4 h 00 min
